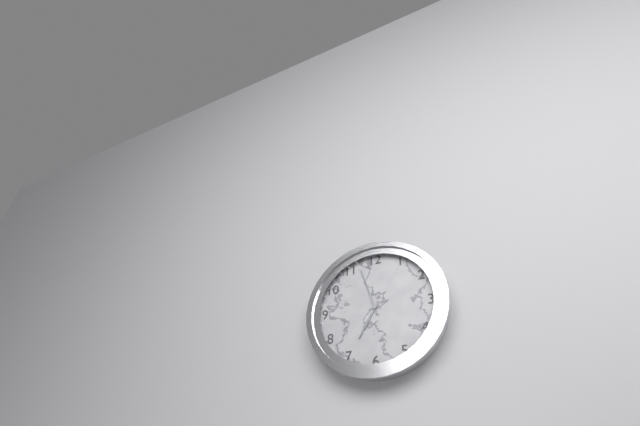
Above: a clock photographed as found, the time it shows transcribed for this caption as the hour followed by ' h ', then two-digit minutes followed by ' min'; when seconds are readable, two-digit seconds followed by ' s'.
6 h 57 min
